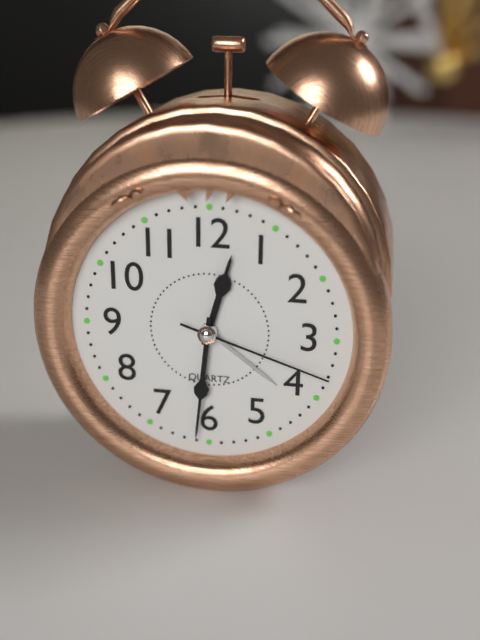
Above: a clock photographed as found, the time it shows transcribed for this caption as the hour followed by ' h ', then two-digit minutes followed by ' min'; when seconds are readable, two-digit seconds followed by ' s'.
12 h 31 min 18 s
